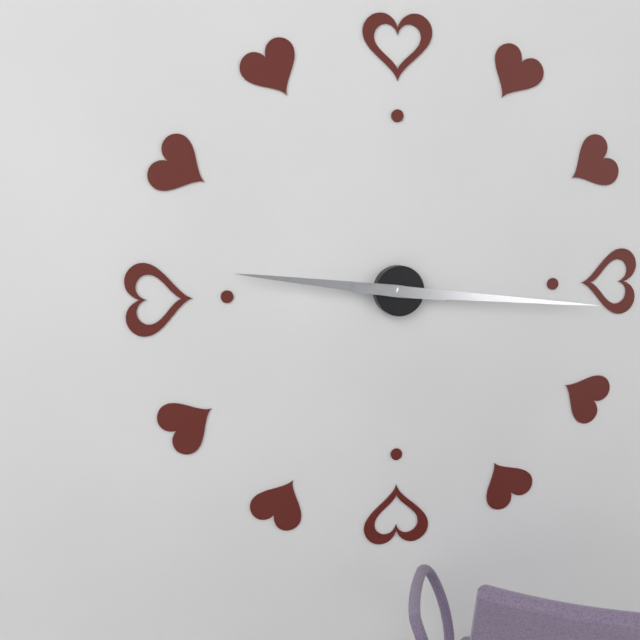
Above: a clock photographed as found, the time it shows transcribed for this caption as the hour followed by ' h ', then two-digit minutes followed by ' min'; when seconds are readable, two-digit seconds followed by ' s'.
9 h 16 min
